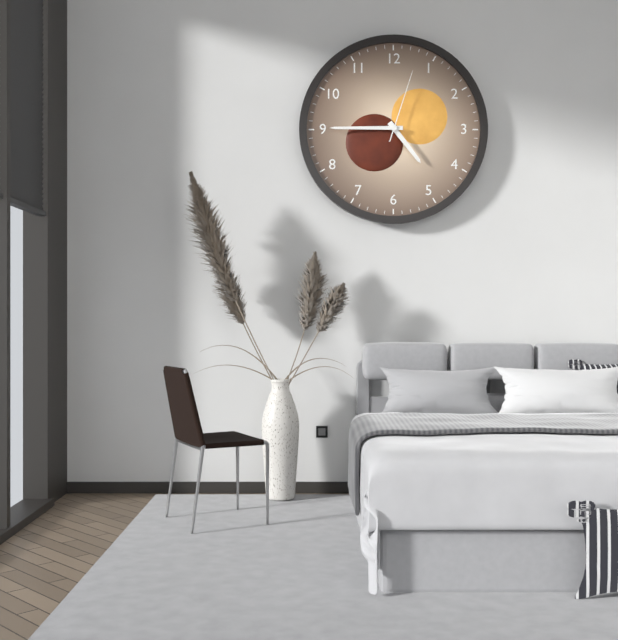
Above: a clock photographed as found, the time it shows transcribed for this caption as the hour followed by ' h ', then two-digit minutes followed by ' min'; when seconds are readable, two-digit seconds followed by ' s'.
4 h 45 min 03 s
